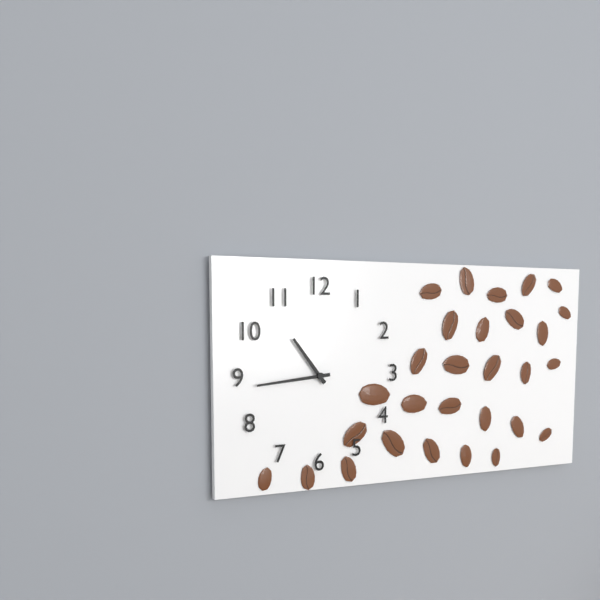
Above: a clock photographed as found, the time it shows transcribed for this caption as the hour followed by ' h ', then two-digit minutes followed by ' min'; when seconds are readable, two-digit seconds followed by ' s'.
10 h 44 min
